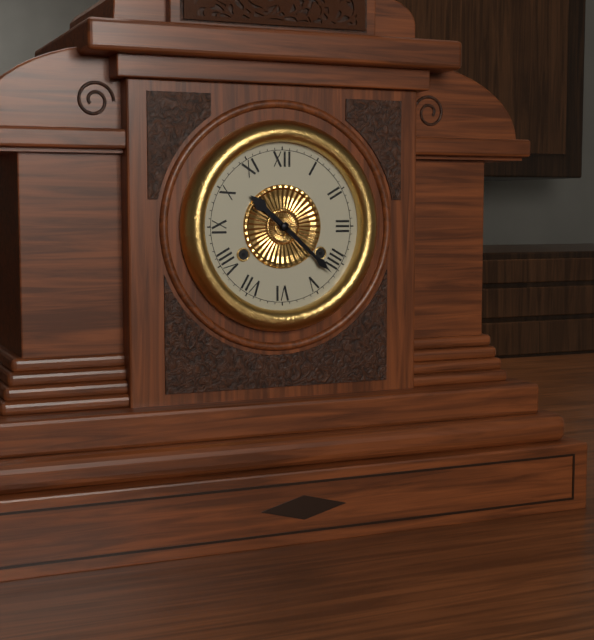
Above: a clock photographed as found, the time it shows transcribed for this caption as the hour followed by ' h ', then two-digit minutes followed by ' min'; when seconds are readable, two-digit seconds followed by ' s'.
10 h 22 min
